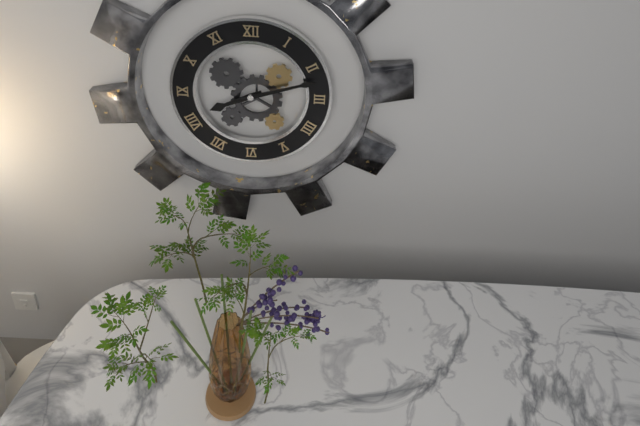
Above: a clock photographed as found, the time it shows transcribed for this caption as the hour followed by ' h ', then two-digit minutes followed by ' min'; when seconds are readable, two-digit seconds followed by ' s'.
8 h 12 min
